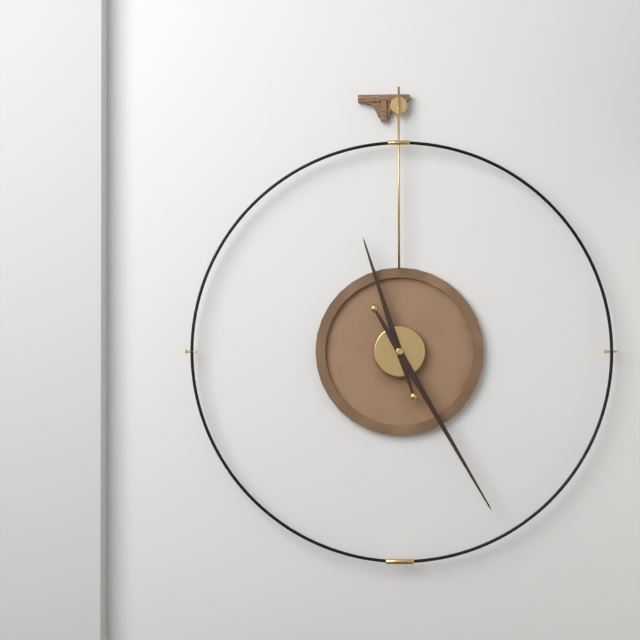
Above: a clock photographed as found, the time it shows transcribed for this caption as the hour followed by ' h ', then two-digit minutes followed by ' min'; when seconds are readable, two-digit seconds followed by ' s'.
11 h 25 min
